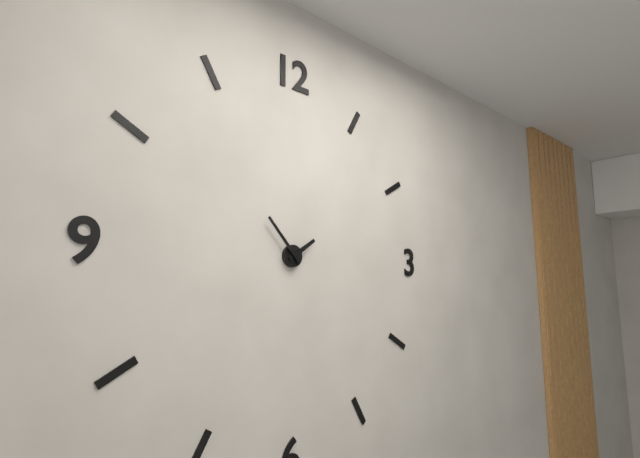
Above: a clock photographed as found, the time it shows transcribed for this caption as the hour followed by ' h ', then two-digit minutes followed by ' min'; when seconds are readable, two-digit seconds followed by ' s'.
1 h 53 min
